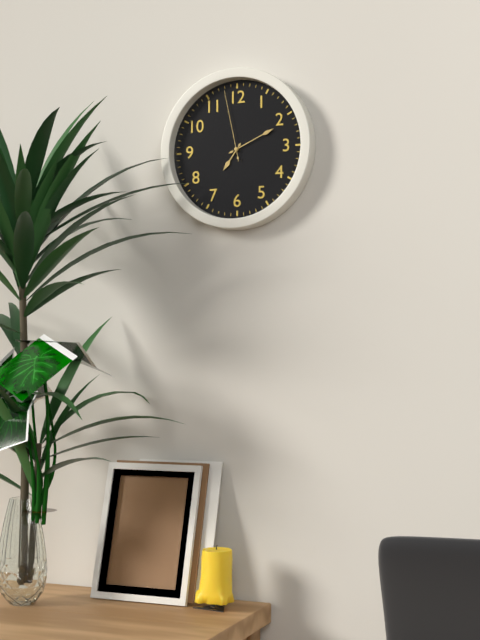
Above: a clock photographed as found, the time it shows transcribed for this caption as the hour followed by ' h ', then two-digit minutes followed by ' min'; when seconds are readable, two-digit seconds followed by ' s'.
7 h 11 min 58 s
